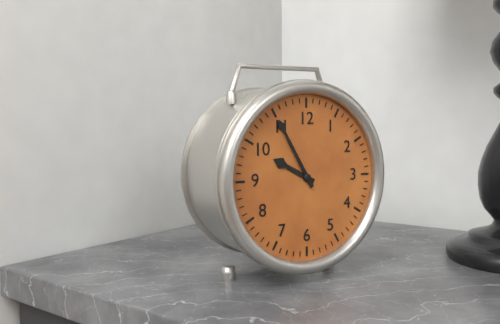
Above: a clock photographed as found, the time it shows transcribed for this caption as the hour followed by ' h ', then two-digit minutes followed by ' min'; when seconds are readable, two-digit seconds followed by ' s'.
9 h 55 min
